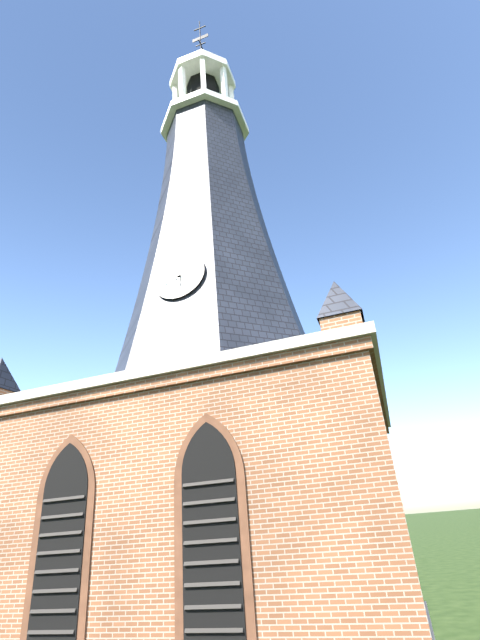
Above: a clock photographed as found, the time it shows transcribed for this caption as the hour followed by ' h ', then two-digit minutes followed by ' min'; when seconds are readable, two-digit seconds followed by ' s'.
5 h 42 min
